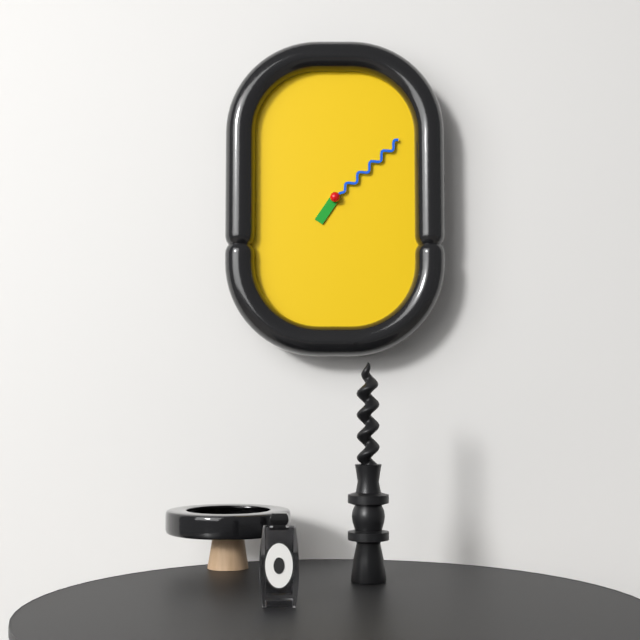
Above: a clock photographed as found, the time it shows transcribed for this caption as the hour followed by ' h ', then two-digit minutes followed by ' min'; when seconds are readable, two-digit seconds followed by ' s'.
7 h 08 min
